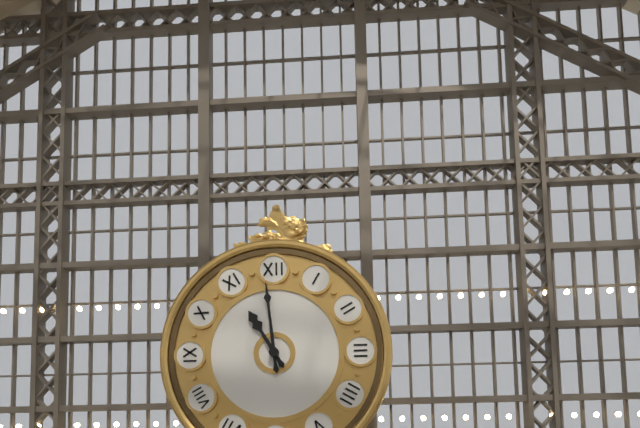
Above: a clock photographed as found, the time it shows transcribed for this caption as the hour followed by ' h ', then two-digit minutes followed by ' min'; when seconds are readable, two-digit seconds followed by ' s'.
10 h 59 min
